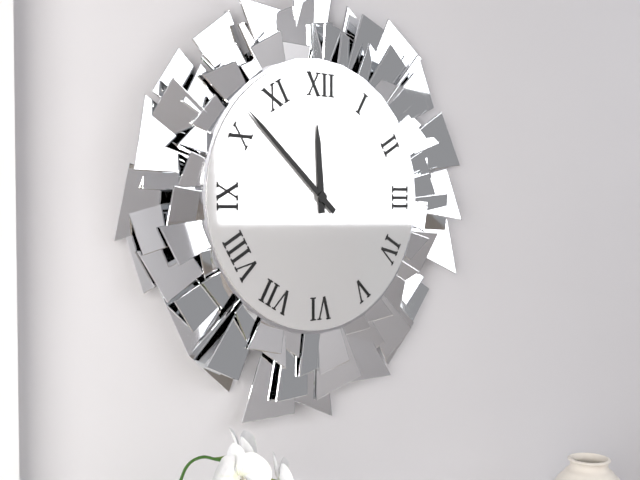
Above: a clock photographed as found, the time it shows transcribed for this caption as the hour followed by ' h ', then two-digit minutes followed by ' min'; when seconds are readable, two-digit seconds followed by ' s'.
11 h 52 min
